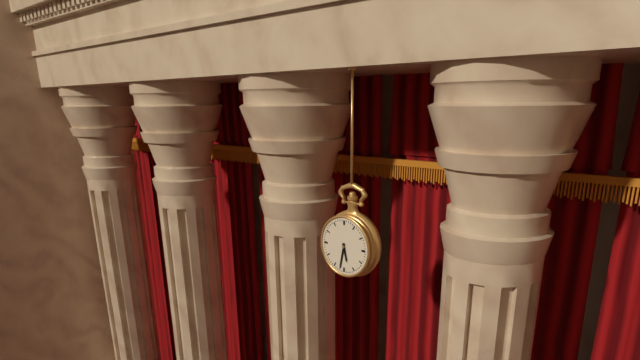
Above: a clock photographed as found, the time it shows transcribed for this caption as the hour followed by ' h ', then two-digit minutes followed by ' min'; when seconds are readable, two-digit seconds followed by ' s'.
5 h 32 min
